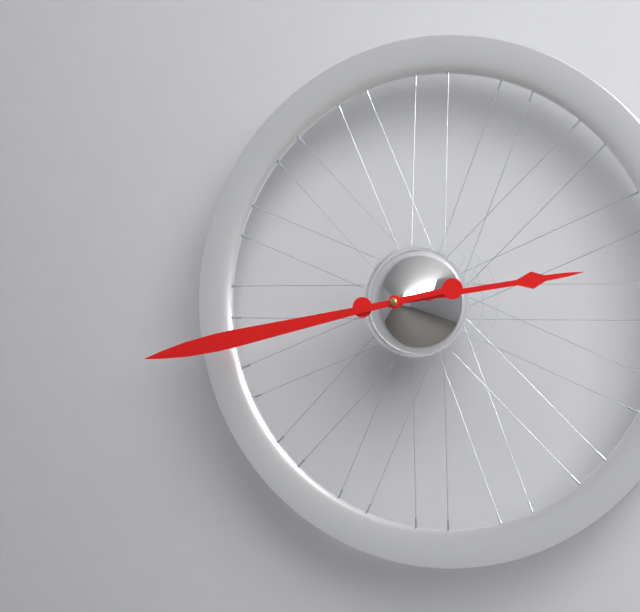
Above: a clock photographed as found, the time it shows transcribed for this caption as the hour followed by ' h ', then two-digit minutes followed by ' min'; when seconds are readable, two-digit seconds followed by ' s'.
2 h 43 min
